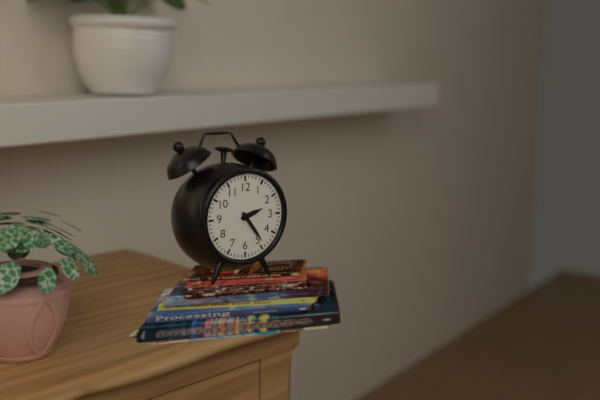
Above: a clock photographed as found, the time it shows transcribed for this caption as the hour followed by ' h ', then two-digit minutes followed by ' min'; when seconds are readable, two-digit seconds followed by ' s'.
2 h 24 min
